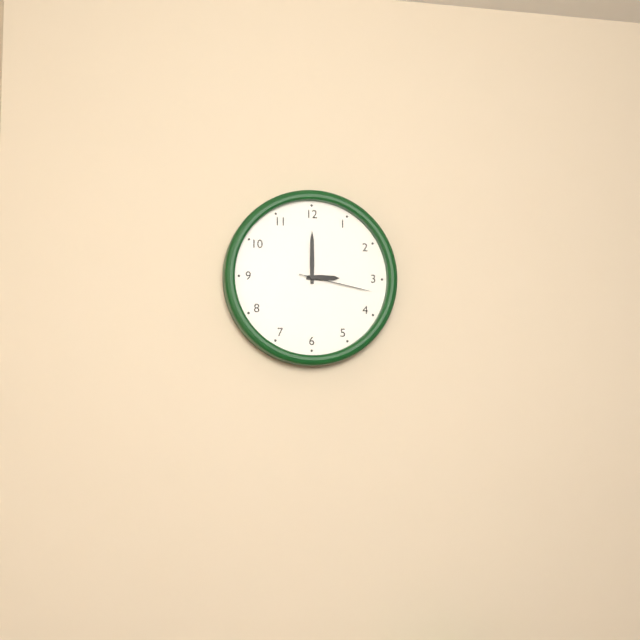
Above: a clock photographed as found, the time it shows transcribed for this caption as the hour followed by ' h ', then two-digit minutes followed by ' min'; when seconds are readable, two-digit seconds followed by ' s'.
3 h 00 min 17 s
